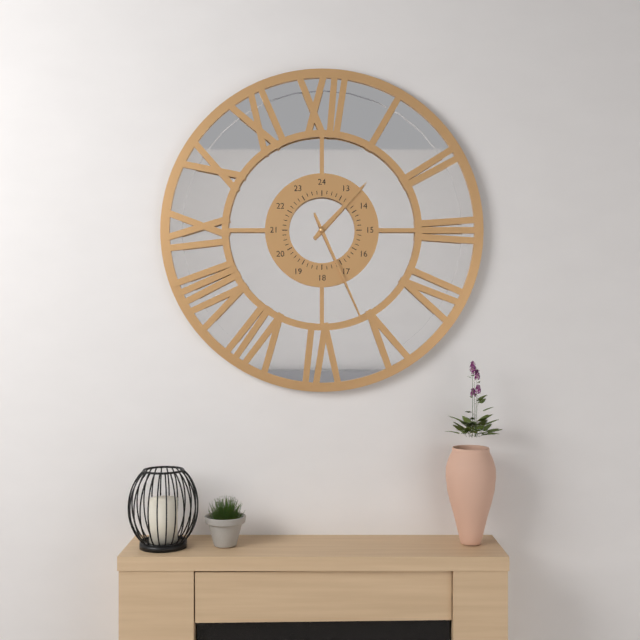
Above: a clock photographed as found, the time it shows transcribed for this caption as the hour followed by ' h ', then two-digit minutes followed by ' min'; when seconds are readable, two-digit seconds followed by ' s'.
1 h 26 min
